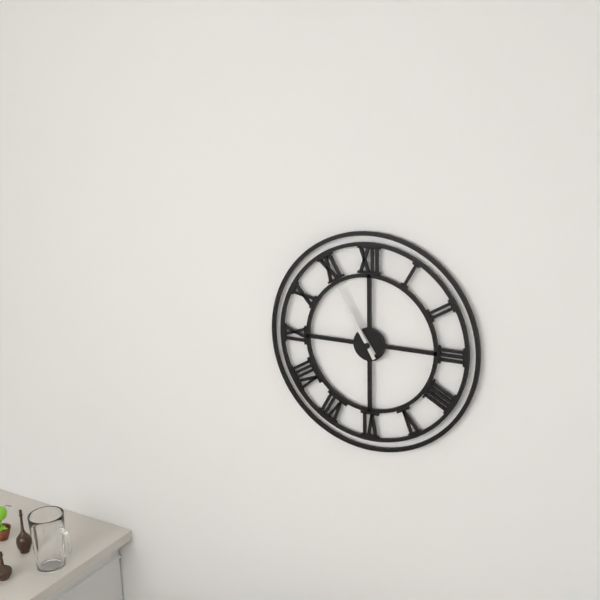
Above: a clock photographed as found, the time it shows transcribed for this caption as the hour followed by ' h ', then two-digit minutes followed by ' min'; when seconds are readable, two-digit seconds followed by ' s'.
10 h 55 min
